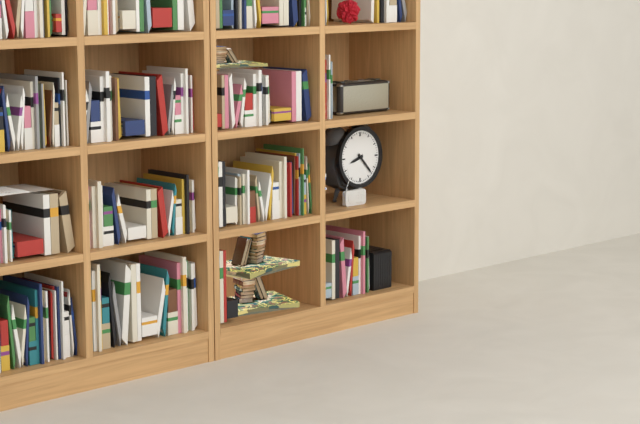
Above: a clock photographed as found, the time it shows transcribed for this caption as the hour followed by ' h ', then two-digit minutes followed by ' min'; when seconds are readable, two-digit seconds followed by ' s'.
8 h 23 min
